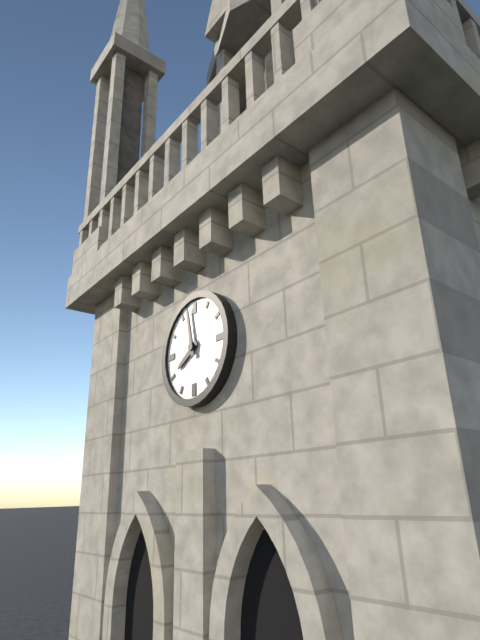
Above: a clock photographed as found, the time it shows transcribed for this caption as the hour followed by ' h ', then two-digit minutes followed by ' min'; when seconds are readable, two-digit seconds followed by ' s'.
7 h 58 min
